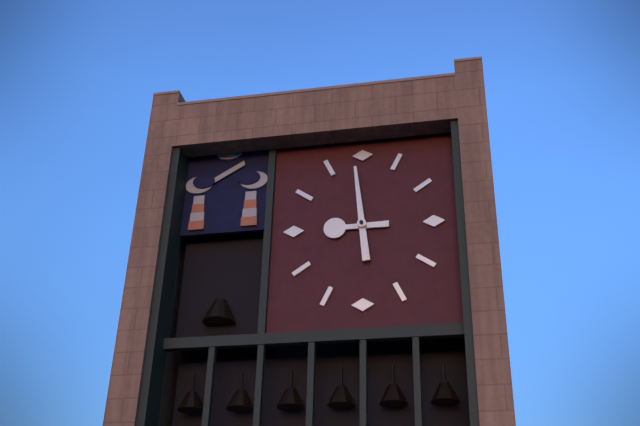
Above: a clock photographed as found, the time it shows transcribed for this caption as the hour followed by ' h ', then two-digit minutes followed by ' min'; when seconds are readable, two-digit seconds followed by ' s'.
8 h 59 min
